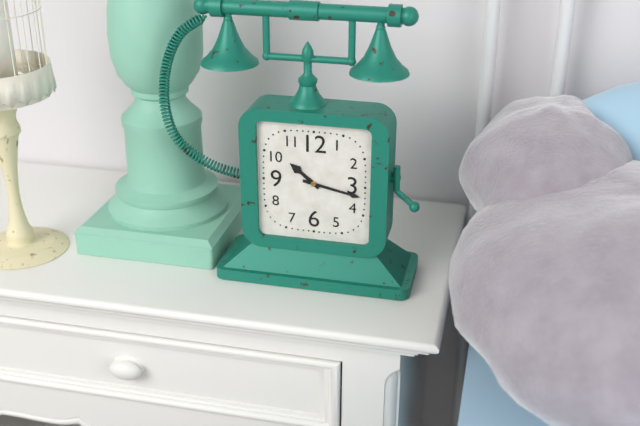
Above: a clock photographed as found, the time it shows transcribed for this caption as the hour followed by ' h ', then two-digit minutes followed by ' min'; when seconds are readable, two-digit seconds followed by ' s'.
10 h 17 min
